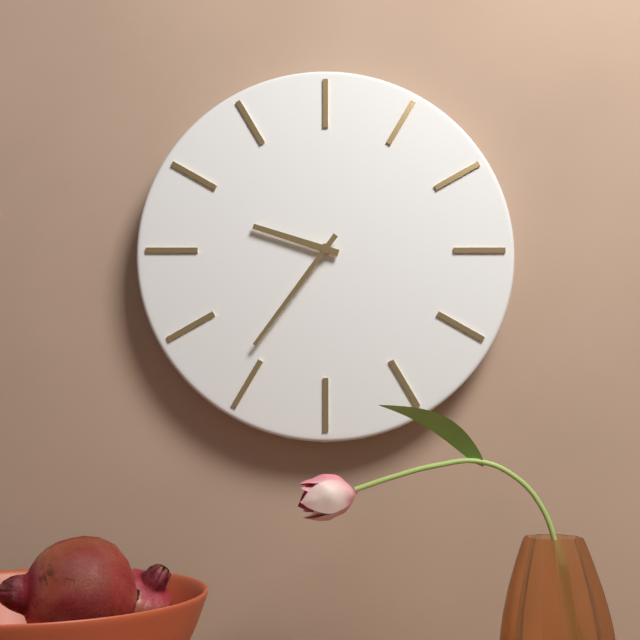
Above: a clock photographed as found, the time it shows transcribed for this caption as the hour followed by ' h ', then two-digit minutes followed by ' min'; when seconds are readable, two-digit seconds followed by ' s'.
9 h 36 min
